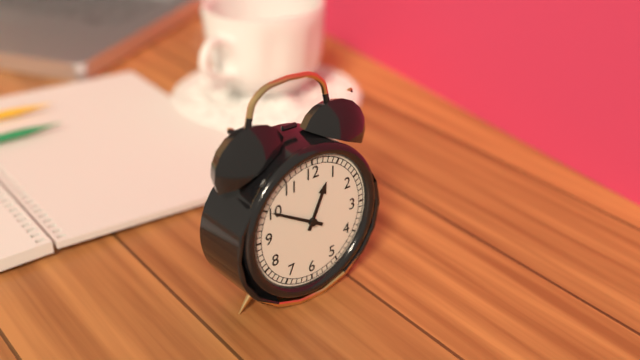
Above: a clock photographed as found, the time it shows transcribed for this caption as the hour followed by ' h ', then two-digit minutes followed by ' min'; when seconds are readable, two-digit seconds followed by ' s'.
12 h 50 min
